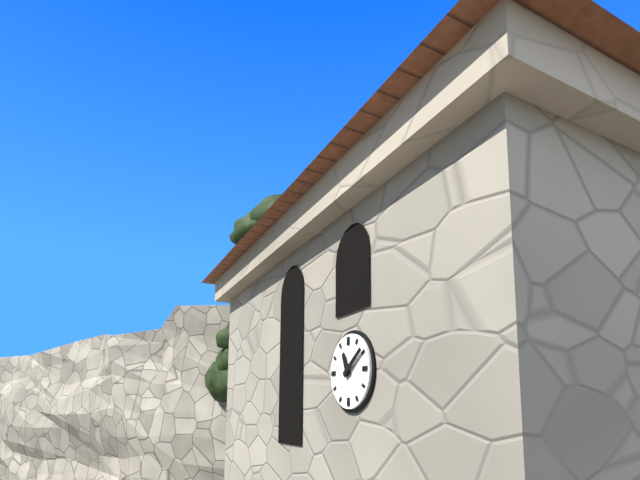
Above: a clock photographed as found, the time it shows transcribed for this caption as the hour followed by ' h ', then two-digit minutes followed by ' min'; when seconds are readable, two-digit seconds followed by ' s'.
11 h 09 min
